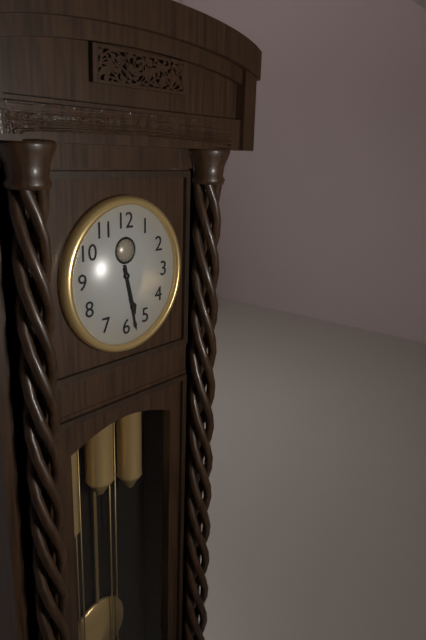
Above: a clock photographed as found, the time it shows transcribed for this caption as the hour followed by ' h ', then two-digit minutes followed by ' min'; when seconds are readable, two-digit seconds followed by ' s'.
5 h 28 min
